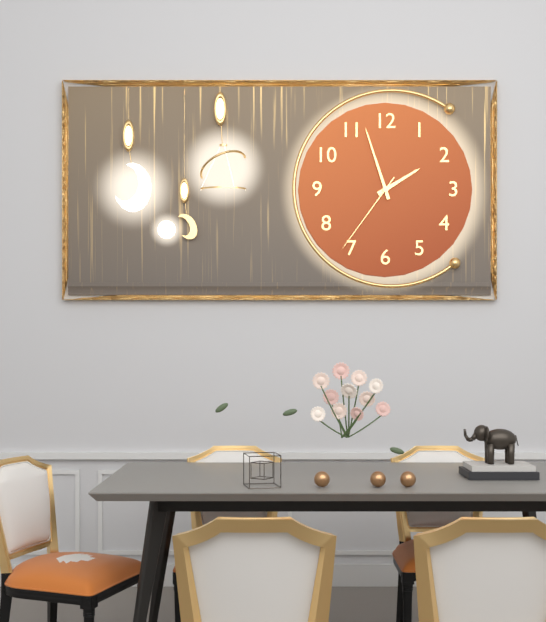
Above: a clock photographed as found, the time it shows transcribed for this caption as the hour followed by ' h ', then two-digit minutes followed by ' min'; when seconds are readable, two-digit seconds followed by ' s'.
1 h 57 min 36 s
